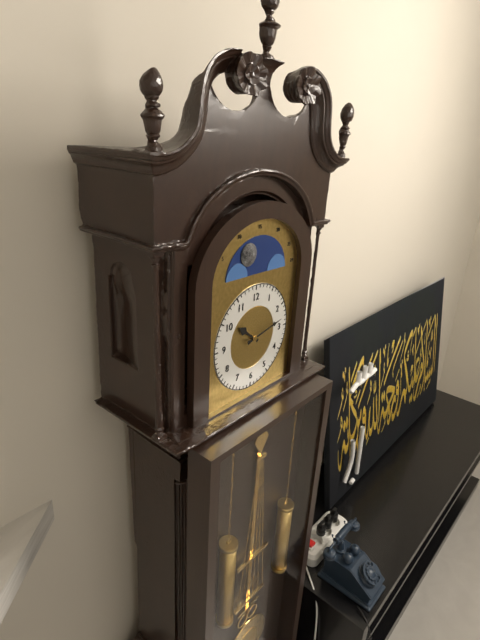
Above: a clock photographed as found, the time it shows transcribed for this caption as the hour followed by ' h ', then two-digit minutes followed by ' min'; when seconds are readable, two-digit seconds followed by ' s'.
10 h 13 min
